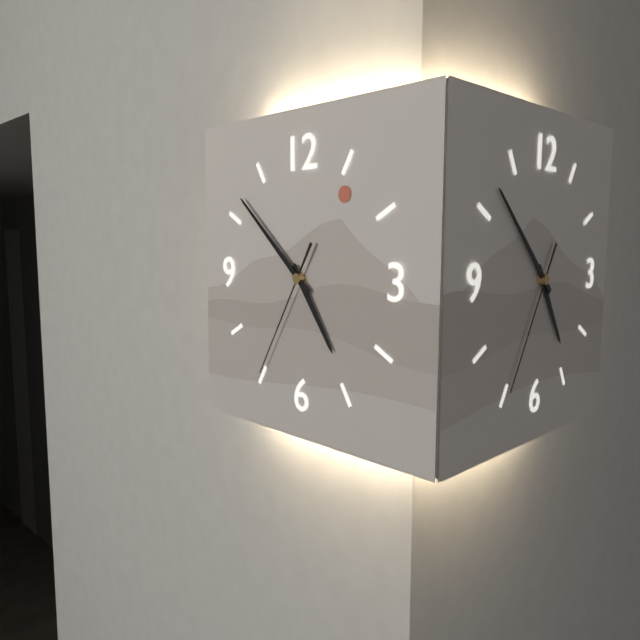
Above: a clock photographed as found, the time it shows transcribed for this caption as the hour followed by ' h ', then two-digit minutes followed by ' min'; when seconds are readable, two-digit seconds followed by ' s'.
4 h 52 min 35 s
